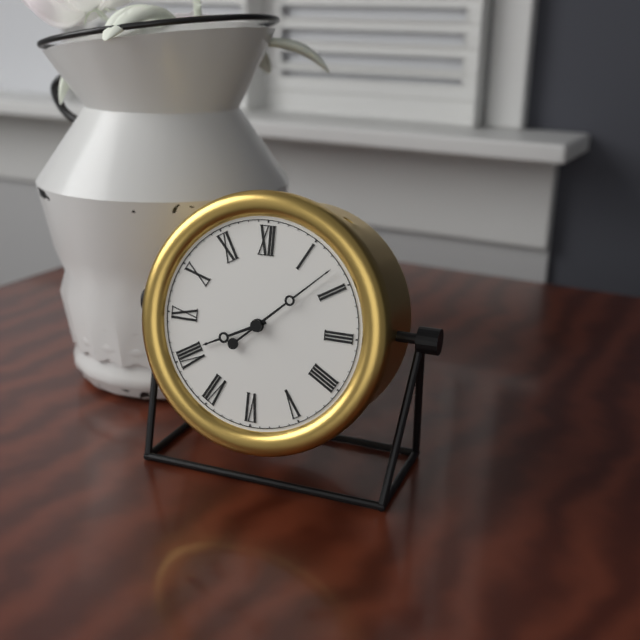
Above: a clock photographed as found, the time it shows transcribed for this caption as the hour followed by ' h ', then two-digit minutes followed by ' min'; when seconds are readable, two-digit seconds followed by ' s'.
8 h 08 min
